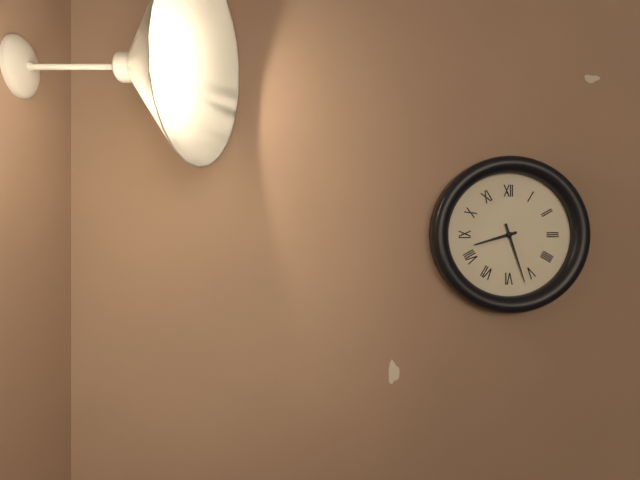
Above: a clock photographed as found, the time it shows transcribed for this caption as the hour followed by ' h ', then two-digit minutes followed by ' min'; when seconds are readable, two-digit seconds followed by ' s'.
8 h 27 min
